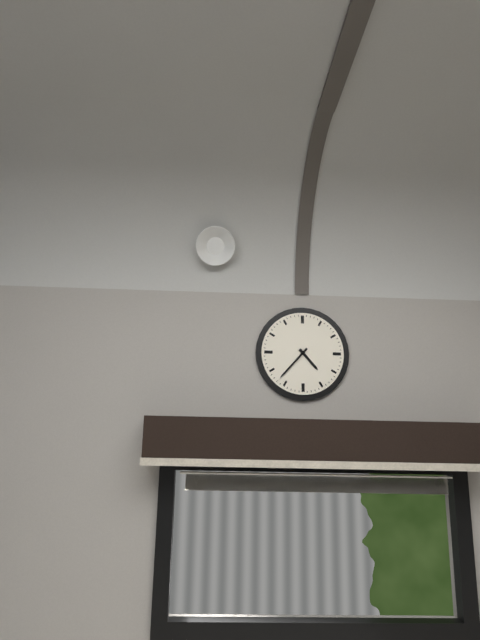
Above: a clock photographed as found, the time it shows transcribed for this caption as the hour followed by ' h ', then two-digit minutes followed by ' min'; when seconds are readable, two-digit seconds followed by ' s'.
4 h 37 min
